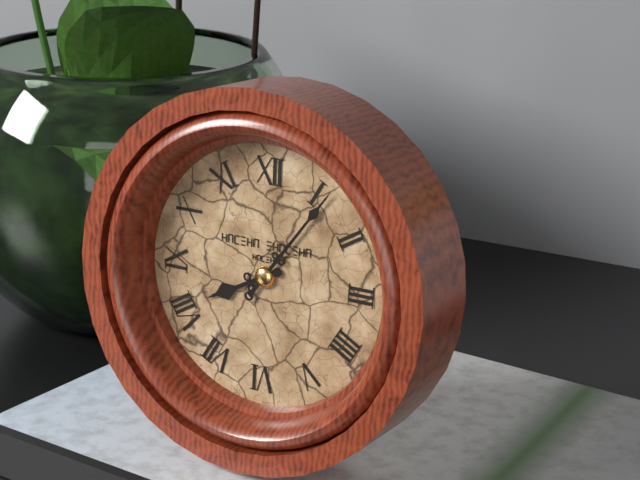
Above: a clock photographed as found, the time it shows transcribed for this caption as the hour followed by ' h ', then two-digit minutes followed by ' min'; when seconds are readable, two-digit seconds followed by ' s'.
8 h 06 min
